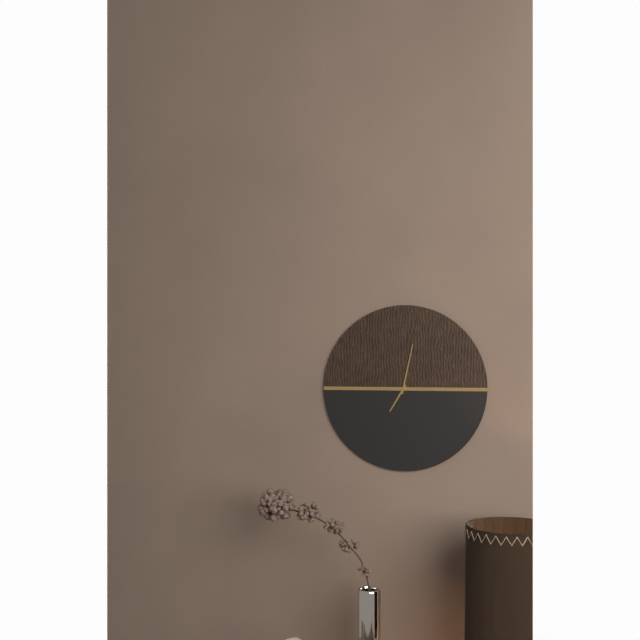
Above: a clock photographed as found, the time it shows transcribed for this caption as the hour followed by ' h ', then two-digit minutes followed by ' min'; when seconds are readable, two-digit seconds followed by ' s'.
7 h 02 min
